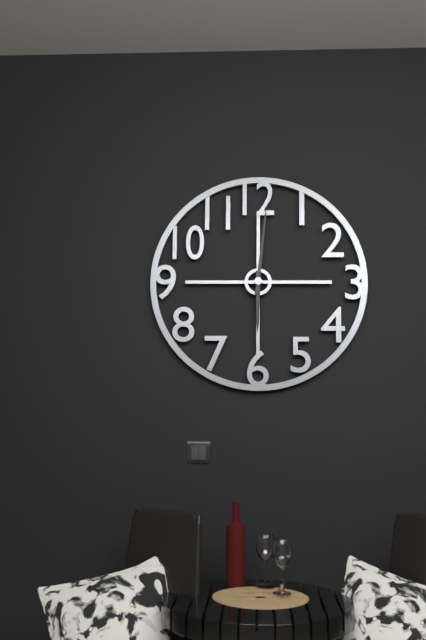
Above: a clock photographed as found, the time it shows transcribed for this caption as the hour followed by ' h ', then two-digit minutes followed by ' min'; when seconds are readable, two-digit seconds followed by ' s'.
6 h 01 min
